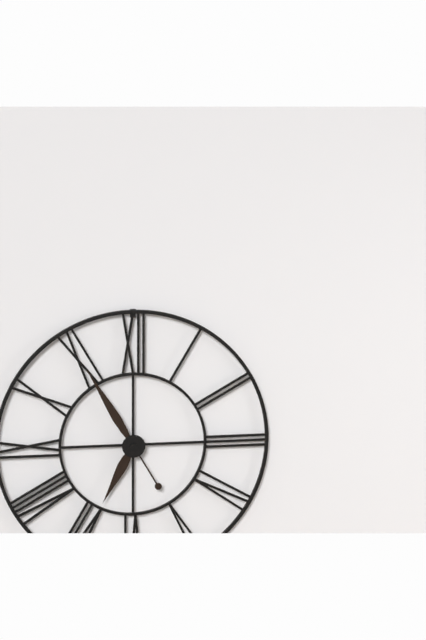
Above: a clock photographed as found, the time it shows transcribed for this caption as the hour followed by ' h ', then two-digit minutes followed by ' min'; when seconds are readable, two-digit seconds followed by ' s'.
6 h 55 min
